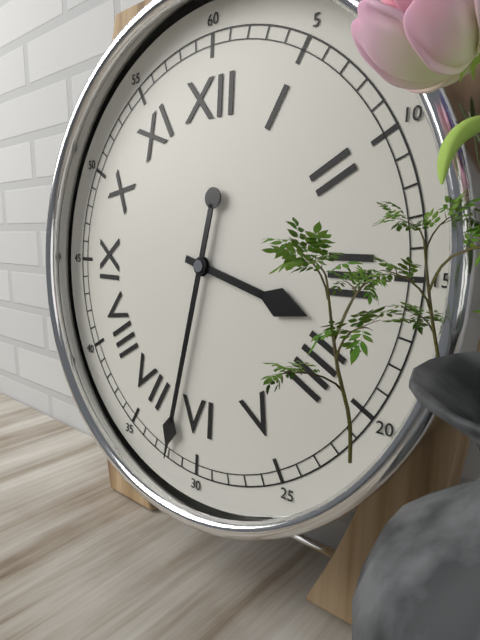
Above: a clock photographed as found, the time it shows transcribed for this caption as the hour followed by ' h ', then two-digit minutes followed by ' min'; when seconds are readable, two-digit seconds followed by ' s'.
3 h 32 min
